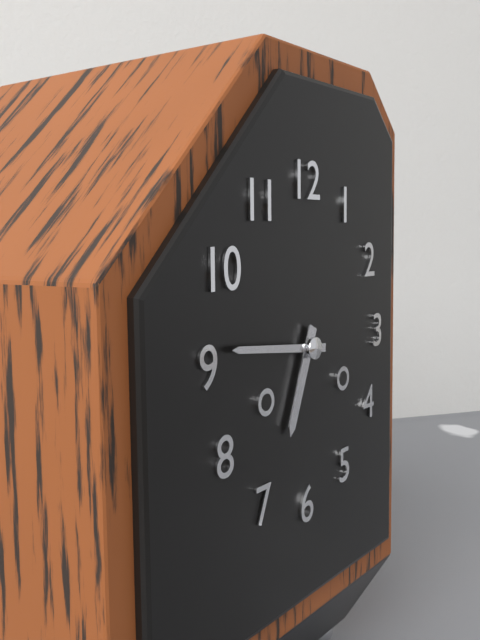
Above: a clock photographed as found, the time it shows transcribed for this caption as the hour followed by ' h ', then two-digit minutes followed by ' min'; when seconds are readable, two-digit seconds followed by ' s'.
6 h 46 min
